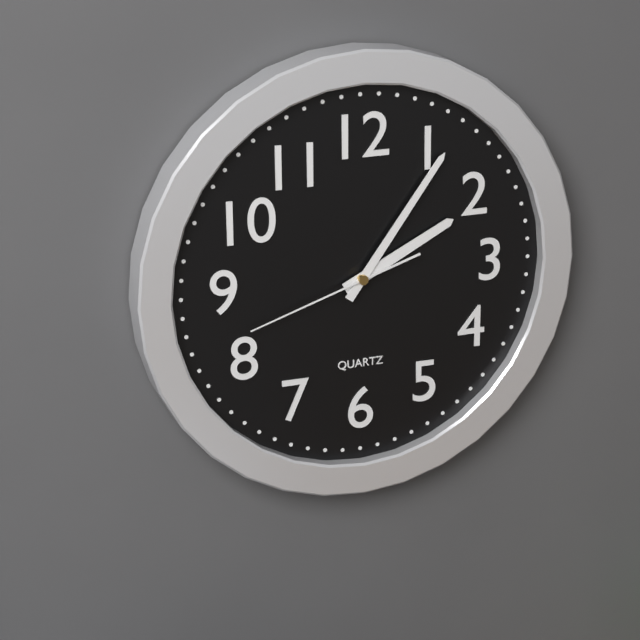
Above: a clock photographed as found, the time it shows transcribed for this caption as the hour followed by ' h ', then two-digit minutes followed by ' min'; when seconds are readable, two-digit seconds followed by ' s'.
2 h 06 min 42 s
